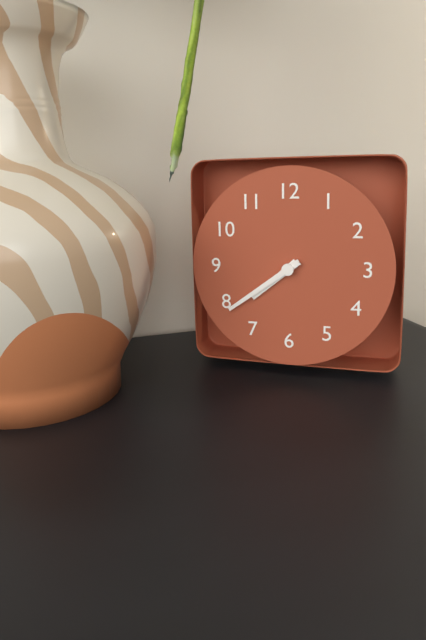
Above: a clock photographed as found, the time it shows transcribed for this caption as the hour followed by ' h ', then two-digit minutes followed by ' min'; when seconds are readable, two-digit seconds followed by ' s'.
7 h 39 min
